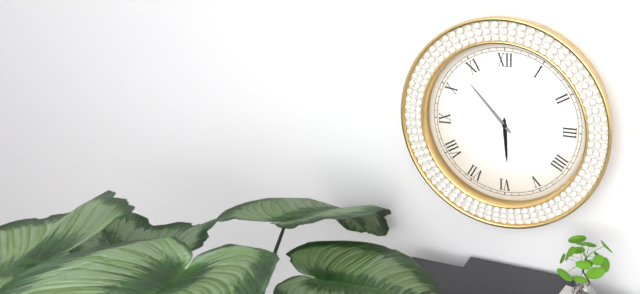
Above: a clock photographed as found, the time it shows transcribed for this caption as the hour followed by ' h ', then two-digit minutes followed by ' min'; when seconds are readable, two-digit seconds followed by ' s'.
5 h 53 min
